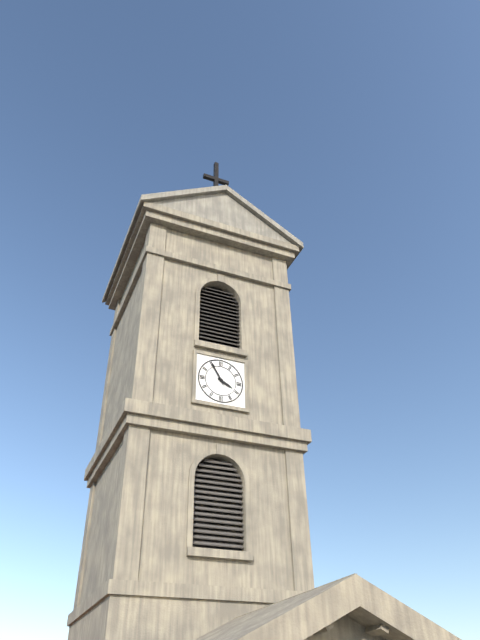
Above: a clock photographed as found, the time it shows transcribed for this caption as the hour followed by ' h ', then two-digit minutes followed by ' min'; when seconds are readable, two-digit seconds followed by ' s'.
3 h 55 min
